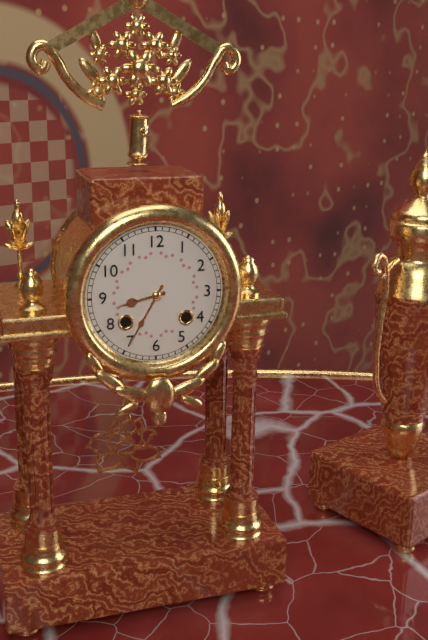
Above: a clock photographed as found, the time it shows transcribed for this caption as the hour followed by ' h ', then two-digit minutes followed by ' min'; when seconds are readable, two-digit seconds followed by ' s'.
8 h 35 min
